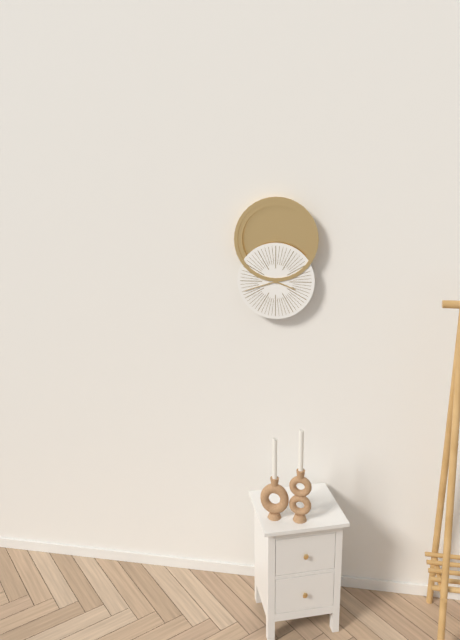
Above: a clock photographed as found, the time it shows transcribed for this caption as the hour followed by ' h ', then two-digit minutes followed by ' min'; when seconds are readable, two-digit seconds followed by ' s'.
3 h 42 min
